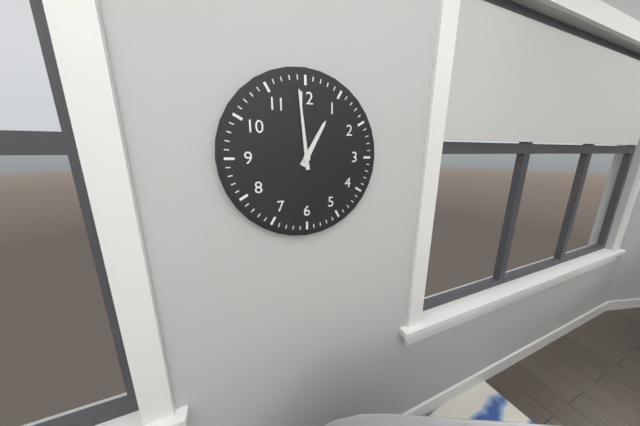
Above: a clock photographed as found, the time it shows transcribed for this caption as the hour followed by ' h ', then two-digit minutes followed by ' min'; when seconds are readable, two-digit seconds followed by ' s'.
12 h 59 min
